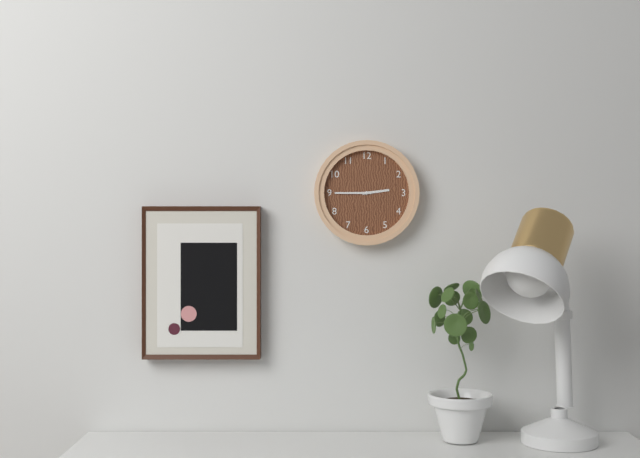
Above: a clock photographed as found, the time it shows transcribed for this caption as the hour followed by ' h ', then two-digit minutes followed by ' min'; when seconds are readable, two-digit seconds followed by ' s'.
2 h 45 min
